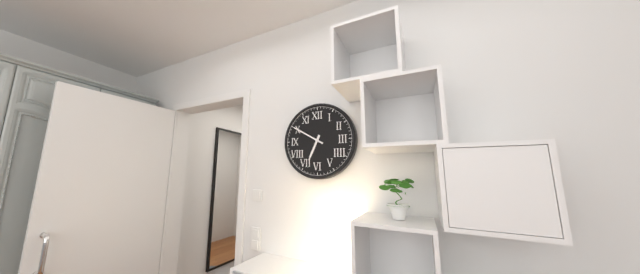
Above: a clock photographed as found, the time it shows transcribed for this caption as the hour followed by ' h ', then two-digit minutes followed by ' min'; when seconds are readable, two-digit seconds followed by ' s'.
6 h 50 min
